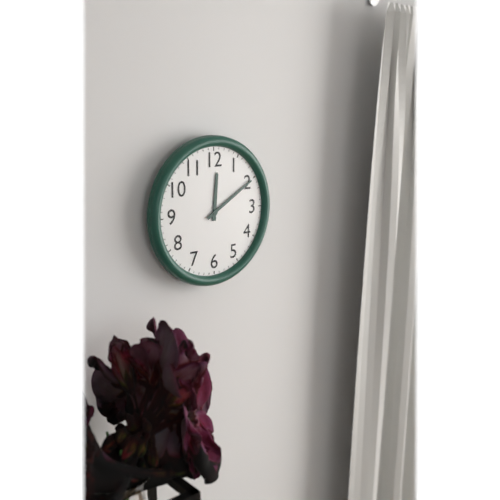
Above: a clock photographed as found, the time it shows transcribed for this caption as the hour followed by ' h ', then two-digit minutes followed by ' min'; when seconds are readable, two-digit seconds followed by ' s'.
12 h 10 min
